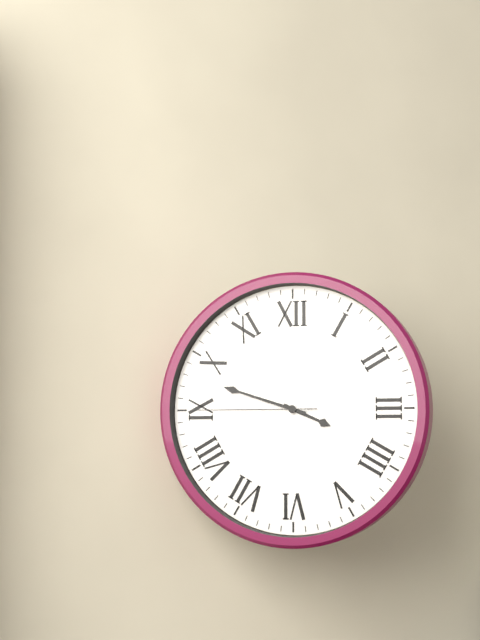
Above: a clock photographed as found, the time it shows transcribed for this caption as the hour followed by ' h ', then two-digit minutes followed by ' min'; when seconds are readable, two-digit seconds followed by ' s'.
3 h 48 min 45 s
